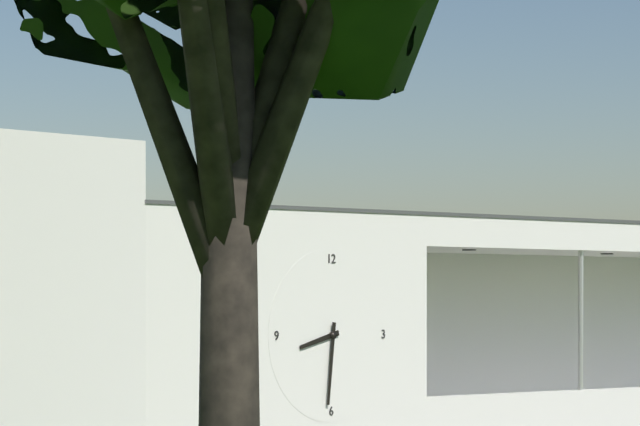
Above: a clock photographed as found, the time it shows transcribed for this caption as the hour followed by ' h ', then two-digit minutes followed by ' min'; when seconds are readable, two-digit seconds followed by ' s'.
8 h 31 min
